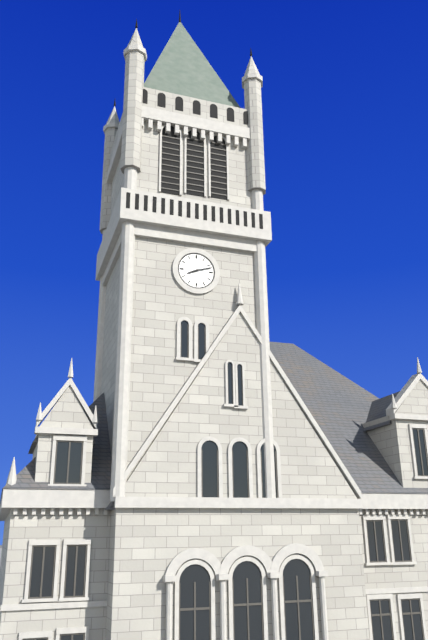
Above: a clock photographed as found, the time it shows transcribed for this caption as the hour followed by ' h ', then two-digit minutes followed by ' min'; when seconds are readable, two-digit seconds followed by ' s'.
8 h 12 min
